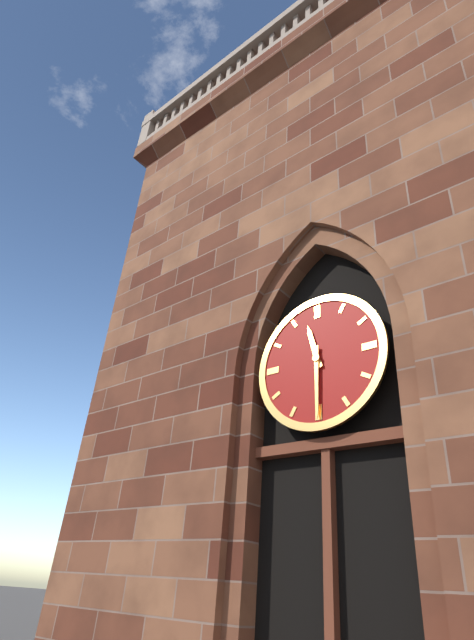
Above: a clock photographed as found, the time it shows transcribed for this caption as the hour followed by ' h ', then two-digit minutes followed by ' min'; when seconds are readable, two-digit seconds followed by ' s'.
11 h 30 min
